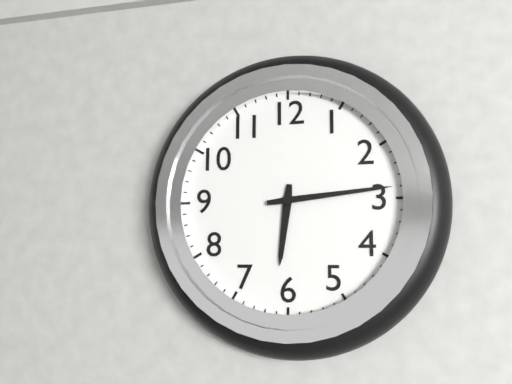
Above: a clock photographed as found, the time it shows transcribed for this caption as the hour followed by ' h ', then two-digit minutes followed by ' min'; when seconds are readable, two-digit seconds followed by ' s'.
6 h 14 min
